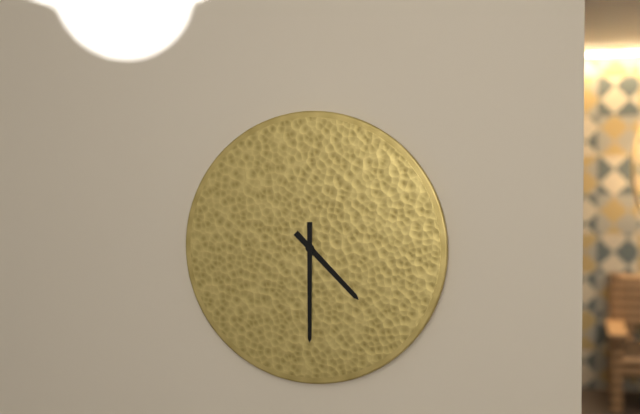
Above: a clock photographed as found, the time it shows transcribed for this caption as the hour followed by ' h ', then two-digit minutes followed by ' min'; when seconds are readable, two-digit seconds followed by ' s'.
4 h 30 min
